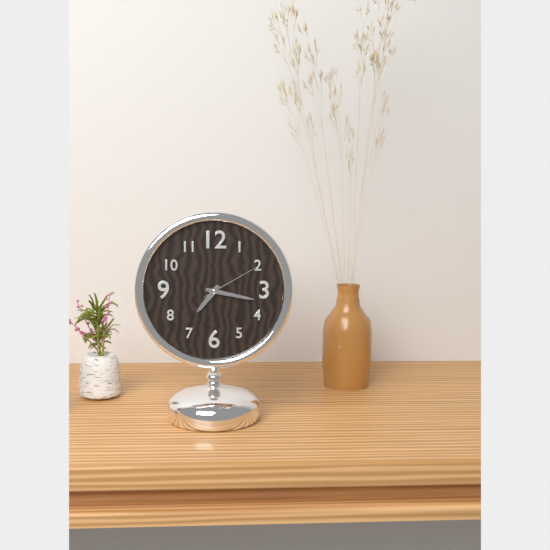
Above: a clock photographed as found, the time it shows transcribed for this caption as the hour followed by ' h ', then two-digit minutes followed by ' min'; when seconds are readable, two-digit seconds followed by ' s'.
7 h 17 min 10 s
